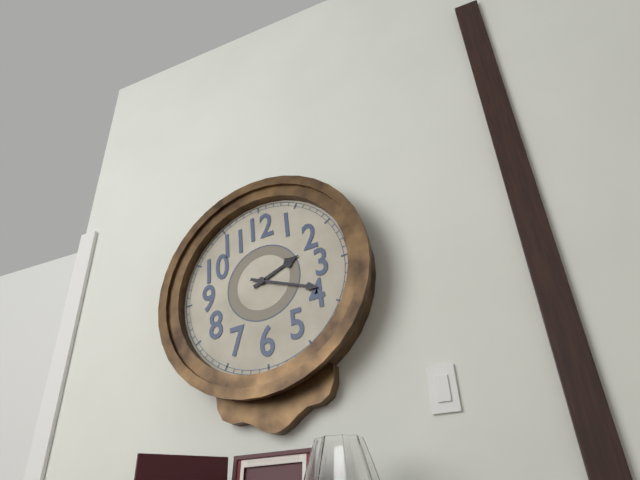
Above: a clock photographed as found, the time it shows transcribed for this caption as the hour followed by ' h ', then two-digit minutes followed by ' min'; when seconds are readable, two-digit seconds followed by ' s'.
2 h 19 min
